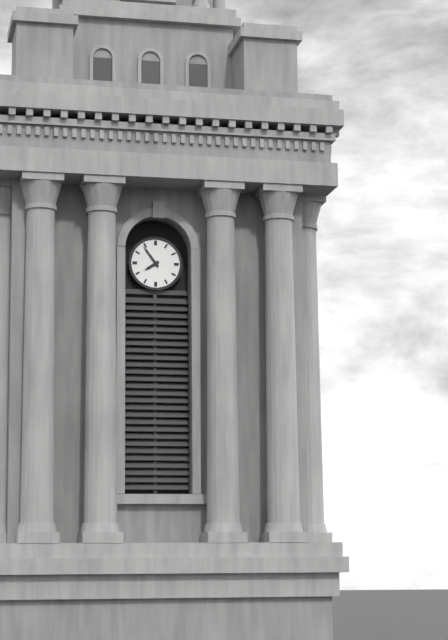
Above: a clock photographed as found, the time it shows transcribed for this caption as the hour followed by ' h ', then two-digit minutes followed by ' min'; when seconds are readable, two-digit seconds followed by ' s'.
7 h 54 min
